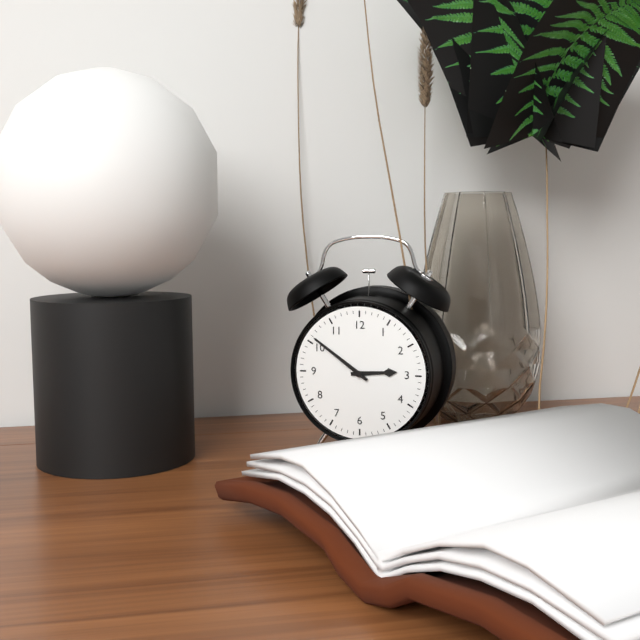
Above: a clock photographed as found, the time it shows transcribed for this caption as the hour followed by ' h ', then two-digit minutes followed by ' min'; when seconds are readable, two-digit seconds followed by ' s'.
2 h 51 min
